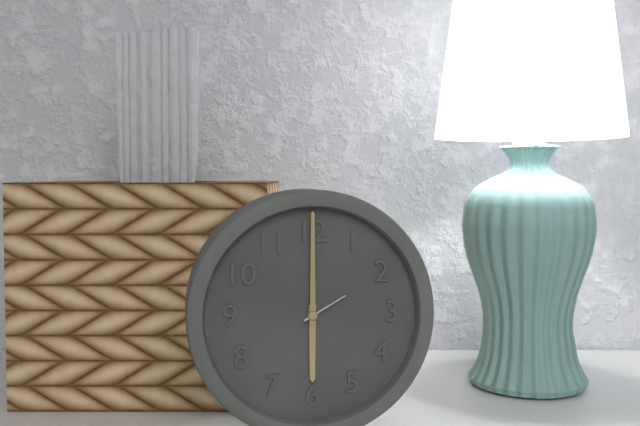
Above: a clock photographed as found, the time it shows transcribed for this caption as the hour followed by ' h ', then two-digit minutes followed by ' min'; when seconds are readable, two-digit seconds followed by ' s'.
6 h 00 min
